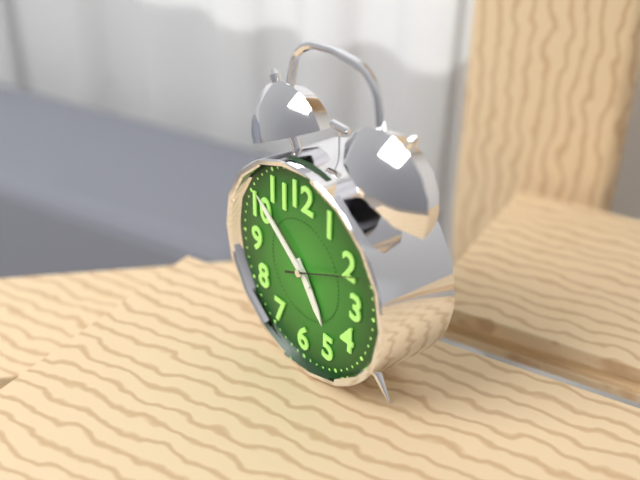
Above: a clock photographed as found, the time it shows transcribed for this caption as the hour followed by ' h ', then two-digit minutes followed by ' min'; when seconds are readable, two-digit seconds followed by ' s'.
4 h 51 min 11 s
